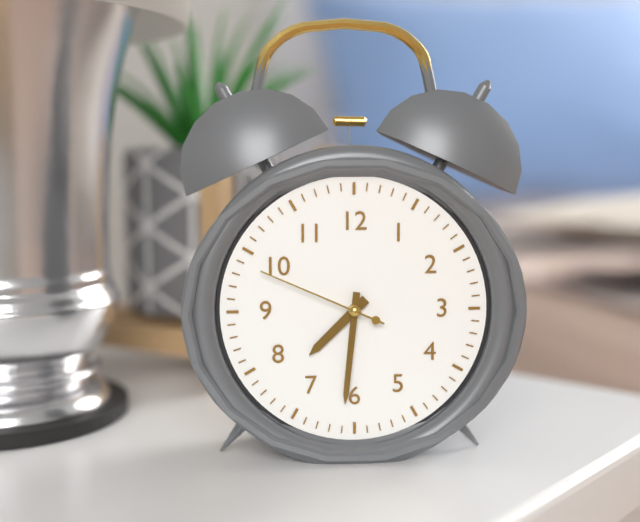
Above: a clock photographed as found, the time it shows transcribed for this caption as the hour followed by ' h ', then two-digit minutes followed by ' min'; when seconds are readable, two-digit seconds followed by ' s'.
7 h 31 min 49 s
